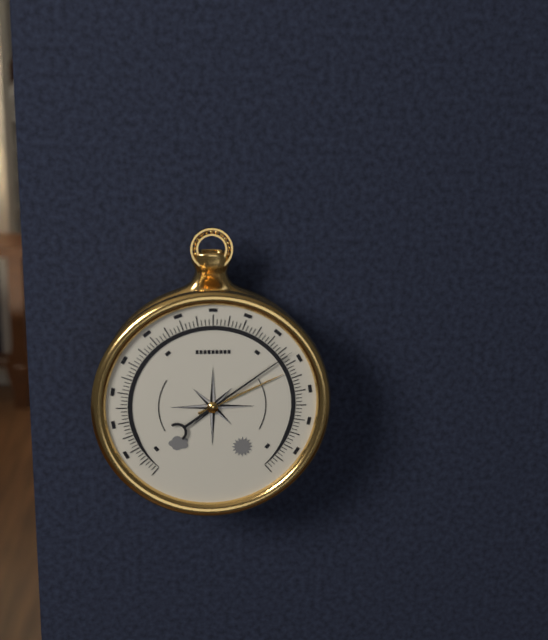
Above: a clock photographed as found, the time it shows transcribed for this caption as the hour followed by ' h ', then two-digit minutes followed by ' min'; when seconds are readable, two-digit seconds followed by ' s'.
2 h 09 min
